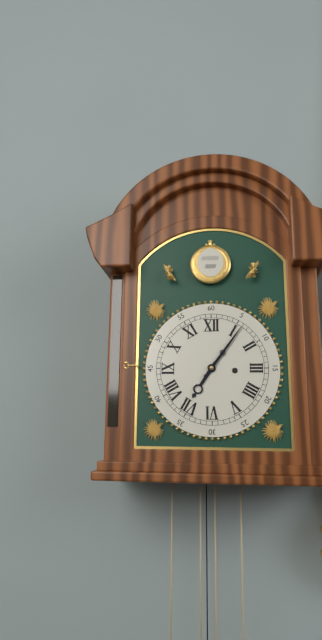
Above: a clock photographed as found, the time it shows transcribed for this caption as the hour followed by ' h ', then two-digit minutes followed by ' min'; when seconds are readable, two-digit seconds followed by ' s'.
7 h 06 min
